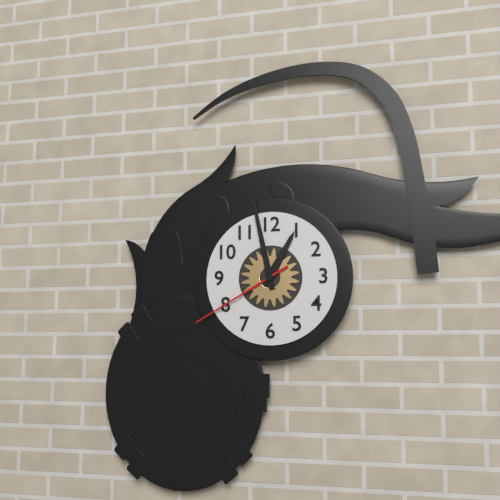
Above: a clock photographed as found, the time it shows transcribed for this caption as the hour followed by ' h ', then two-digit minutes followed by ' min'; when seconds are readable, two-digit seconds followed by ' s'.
12 h 58 min 40 s
